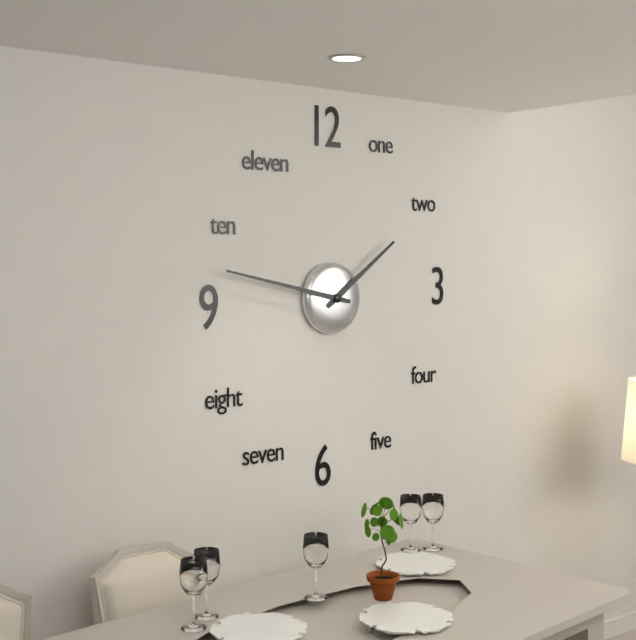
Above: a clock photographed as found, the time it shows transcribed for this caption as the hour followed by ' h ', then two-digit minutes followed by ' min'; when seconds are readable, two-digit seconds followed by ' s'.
1 h 47 min
